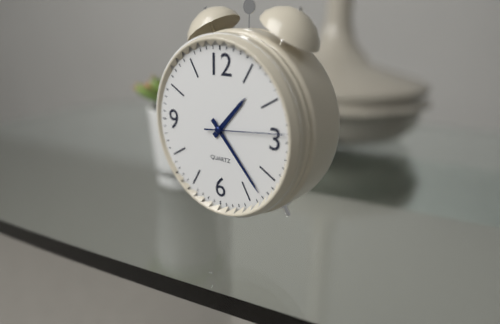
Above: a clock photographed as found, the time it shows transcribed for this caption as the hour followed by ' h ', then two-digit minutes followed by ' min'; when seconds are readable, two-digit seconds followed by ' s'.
1 h 23 min 14 s
